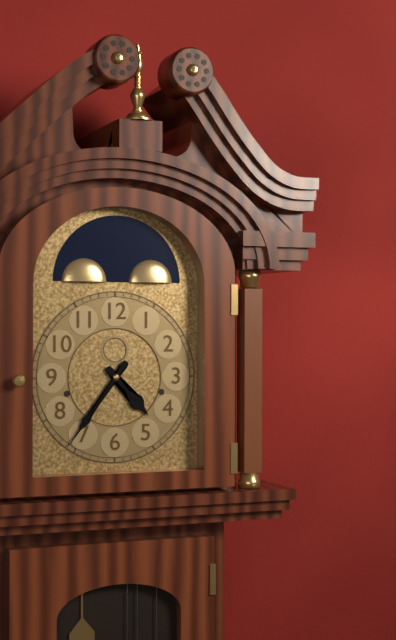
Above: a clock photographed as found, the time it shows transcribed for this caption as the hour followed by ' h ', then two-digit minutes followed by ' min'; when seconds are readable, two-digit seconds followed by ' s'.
4 h 36 min
